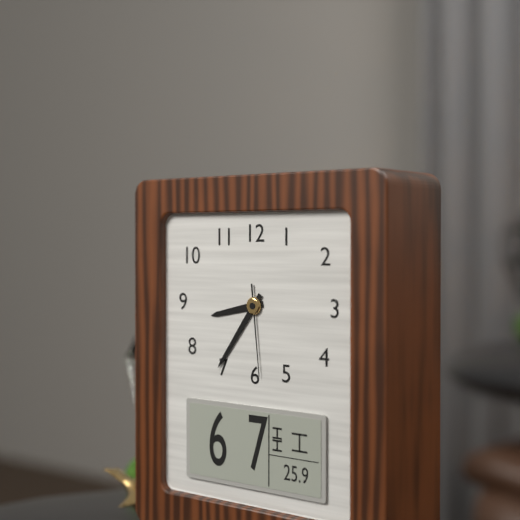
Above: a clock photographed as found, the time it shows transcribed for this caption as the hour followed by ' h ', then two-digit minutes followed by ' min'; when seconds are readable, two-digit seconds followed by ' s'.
8 h 36 min 29 s
